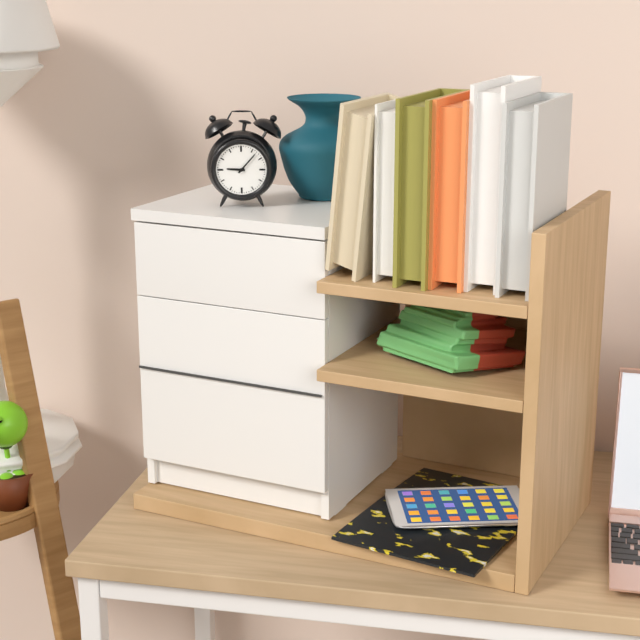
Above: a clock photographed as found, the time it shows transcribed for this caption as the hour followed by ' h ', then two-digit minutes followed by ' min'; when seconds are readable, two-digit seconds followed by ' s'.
9 h 07 min
